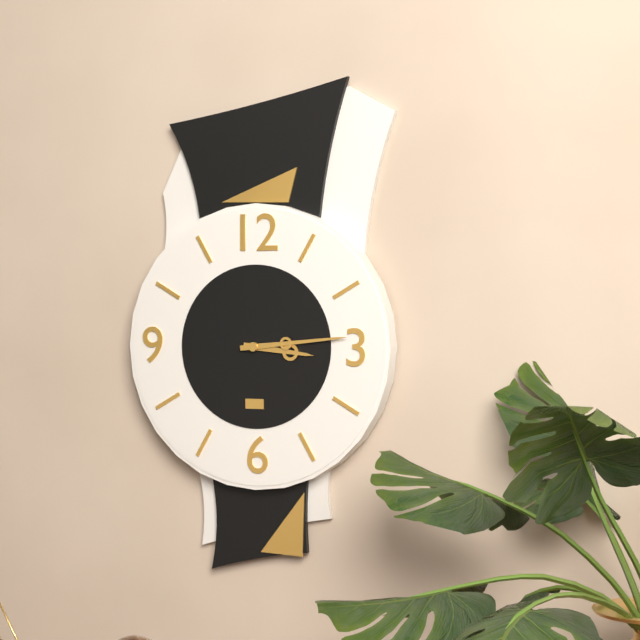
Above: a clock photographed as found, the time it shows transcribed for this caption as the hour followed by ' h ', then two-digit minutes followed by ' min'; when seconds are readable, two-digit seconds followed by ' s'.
3 h 14 min
